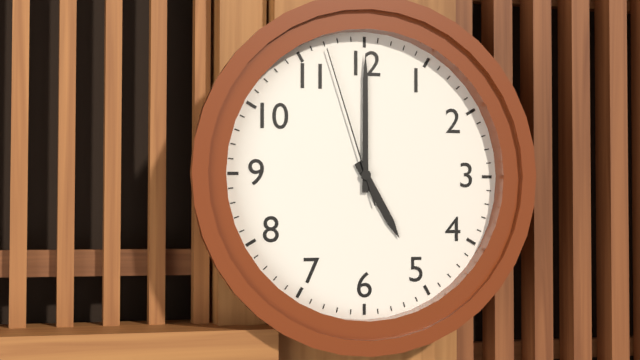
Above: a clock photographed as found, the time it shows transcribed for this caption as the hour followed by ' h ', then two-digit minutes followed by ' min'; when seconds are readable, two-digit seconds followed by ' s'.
5 h 00 min 57 s
